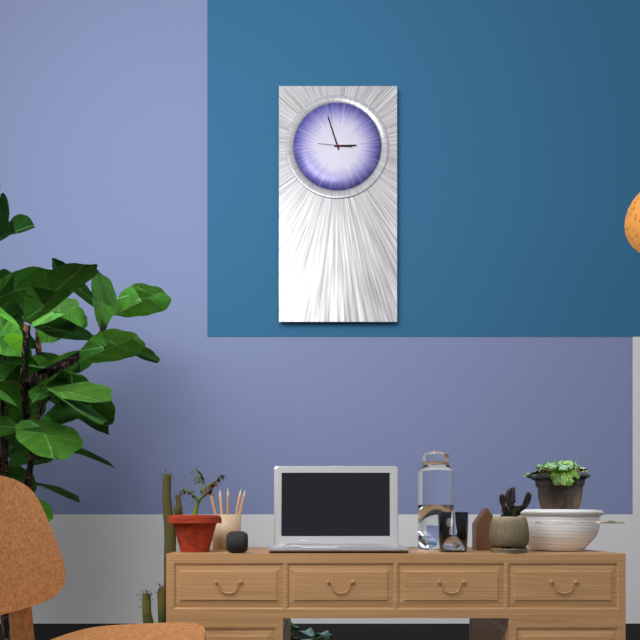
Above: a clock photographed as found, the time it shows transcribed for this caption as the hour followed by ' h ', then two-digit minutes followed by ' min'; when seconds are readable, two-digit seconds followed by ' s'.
2 h 57 min
